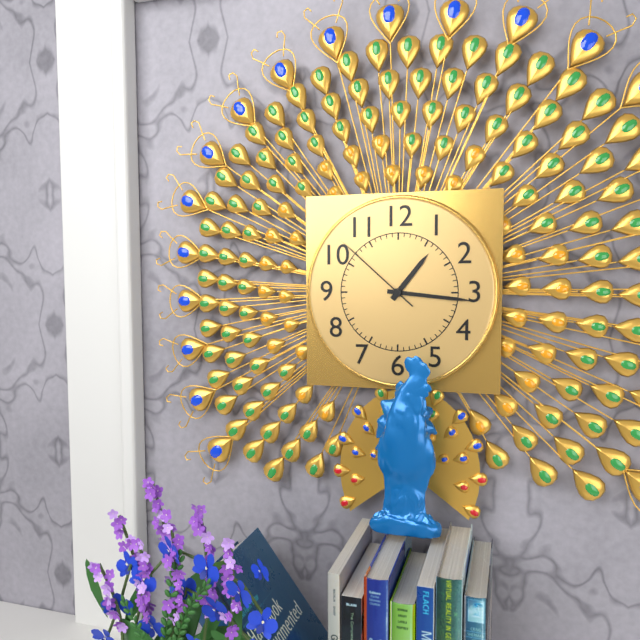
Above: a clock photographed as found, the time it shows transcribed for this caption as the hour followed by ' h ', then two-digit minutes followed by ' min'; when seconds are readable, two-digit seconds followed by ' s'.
1 h 16 min 52 s
